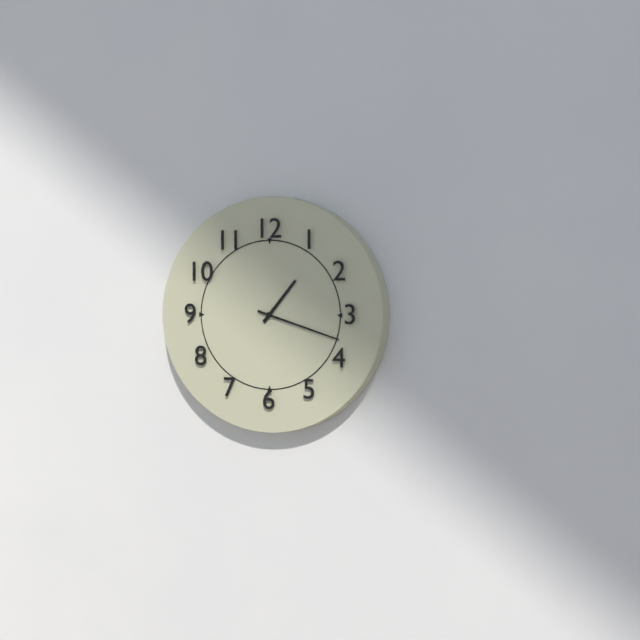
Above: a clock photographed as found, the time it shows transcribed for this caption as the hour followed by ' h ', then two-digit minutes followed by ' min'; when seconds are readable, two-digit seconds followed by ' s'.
1 h 18 min
